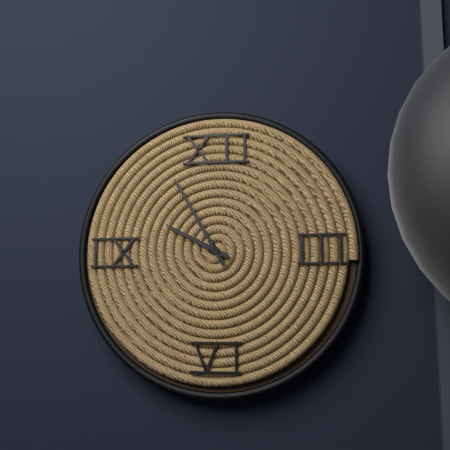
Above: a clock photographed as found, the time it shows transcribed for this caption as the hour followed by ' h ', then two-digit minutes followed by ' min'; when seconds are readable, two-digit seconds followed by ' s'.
9 h 55 min
